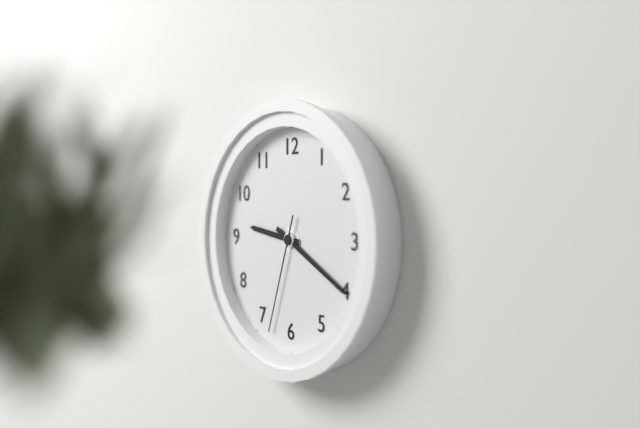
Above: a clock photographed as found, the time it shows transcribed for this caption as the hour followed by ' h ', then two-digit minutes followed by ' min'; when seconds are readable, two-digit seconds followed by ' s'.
9 h 20 min 33 s
